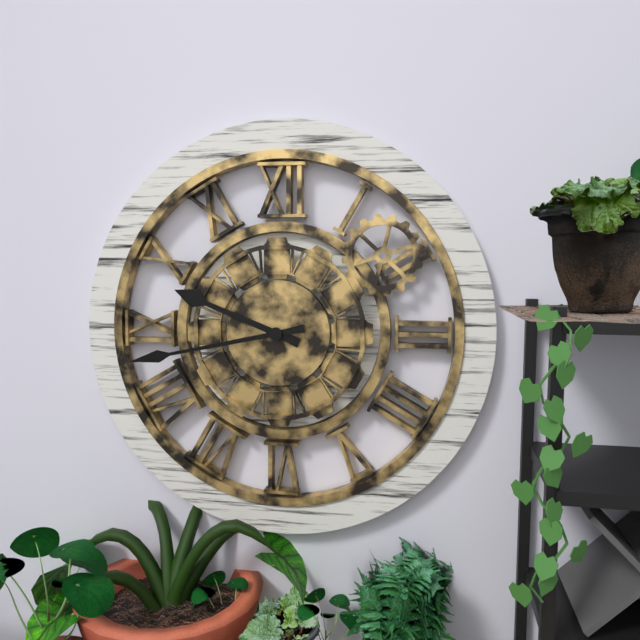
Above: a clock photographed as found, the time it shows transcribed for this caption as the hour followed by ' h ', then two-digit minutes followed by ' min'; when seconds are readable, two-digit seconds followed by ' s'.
9 h 43 min
